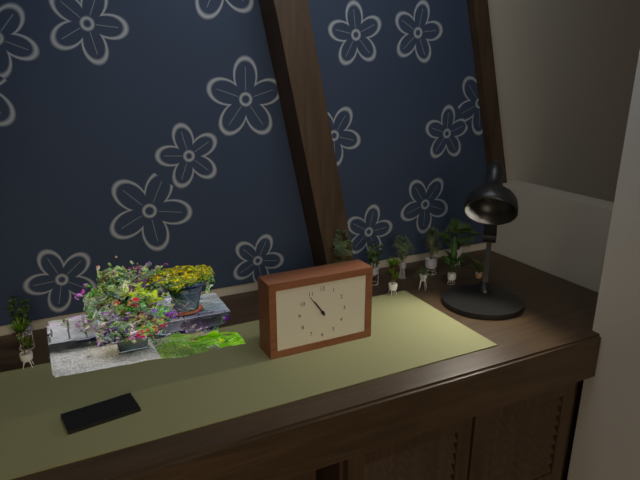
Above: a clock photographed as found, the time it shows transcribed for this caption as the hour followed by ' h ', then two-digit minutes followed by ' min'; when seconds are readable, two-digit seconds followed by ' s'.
10 h 54 min
